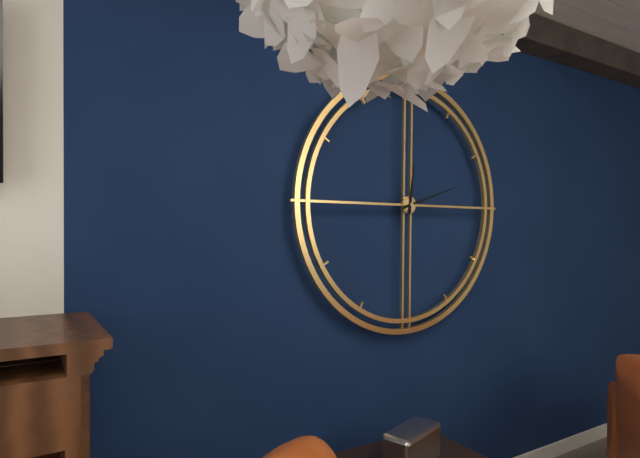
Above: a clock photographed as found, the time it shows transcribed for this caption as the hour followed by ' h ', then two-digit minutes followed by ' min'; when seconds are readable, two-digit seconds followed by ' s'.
12 h 12 min
